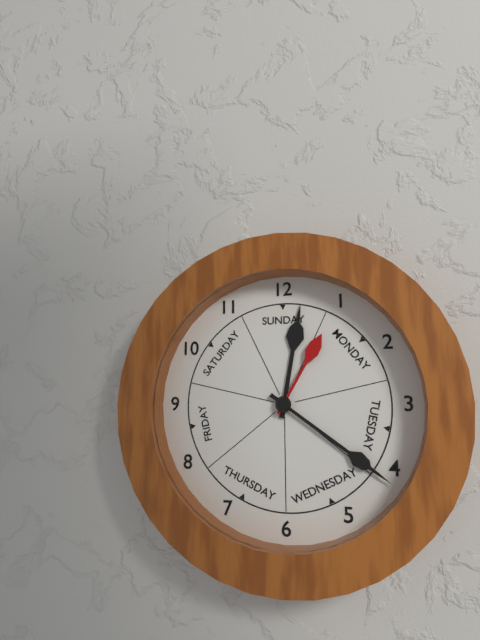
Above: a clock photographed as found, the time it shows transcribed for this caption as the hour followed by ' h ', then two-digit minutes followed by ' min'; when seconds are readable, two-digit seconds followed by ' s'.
12 h 21 min 05 s
